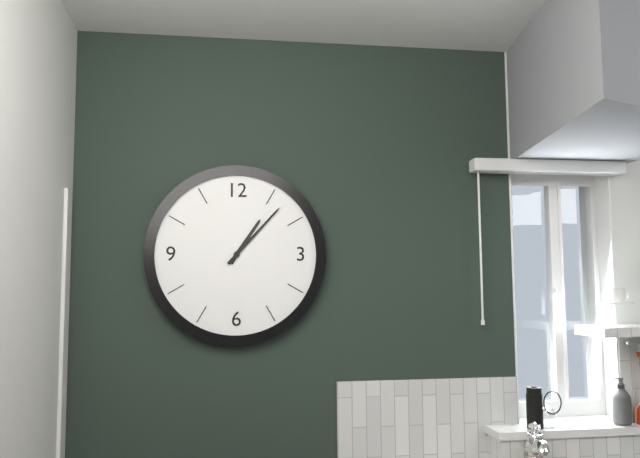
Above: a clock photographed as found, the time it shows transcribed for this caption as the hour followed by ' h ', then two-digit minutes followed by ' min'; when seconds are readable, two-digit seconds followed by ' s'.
1 h 07 min
